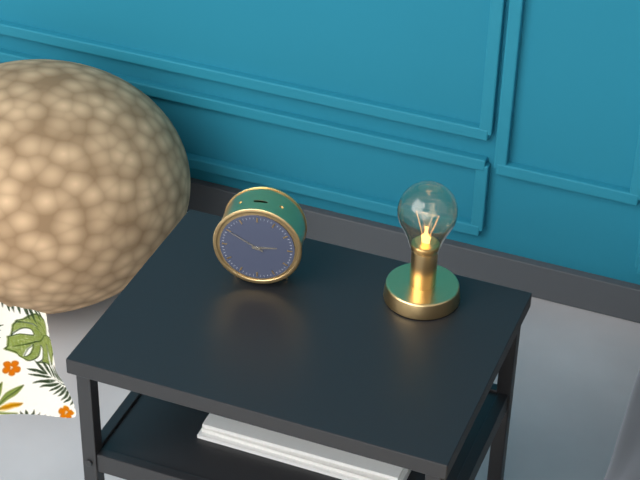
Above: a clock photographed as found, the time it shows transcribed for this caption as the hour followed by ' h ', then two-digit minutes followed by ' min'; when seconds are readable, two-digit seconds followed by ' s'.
2 h 50 min
